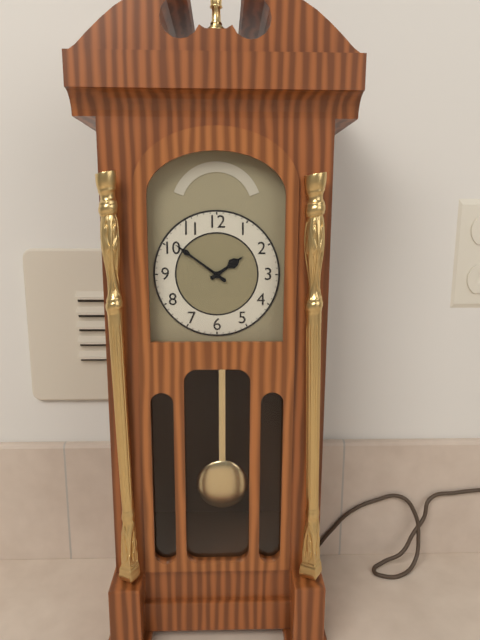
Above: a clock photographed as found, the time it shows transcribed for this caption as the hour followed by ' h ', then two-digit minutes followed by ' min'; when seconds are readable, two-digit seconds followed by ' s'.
1 h 51 min
